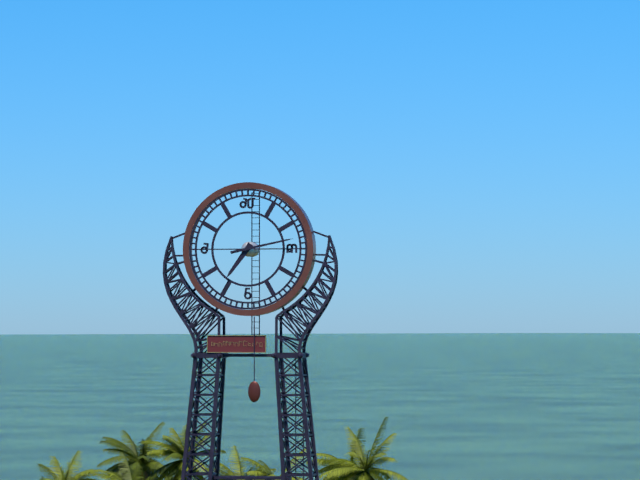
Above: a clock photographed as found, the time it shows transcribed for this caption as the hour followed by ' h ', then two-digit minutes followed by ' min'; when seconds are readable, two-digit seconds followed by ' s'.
7 h 13 min
